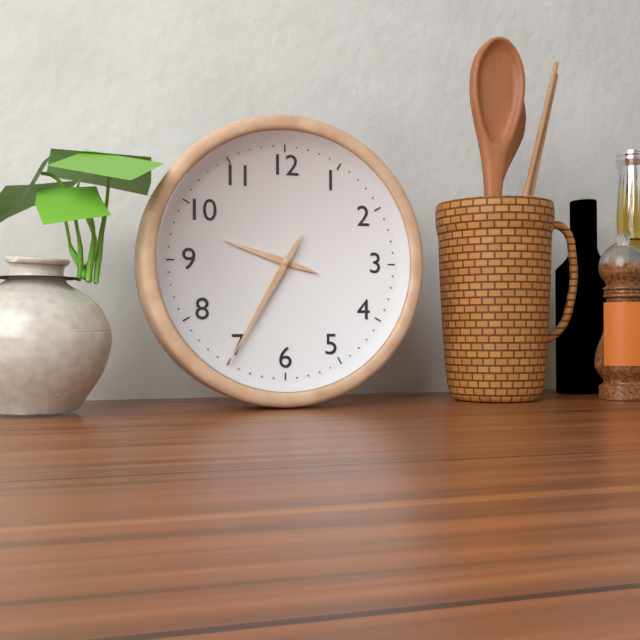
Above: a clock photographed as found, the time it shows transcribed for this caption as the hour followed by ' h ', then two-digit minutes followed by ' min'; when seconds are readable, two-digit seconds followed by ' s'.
9 h 35 min
